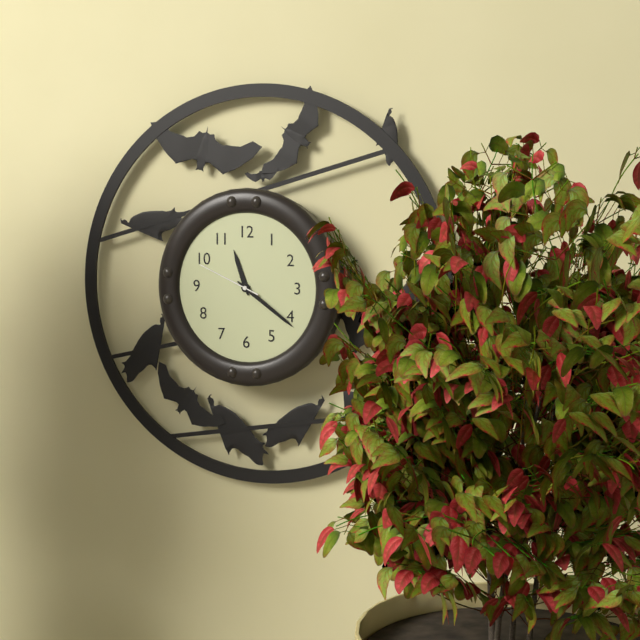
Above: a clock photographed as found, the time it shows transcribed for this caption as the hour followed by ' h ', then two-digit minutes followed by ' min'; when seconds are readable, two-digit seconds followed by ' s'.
11 h 21 min 49 s
